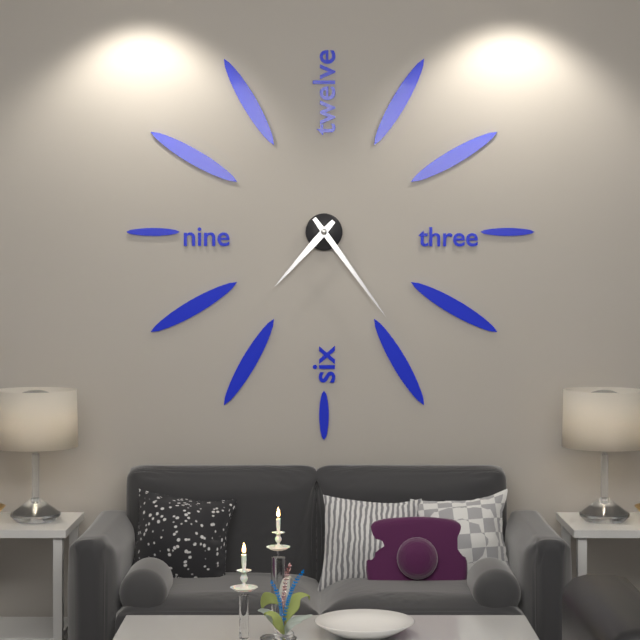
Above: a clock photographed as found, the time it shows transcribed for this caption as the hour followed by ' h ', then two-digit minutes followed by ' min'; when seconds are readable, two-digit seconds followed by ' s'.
7 h 24 min
